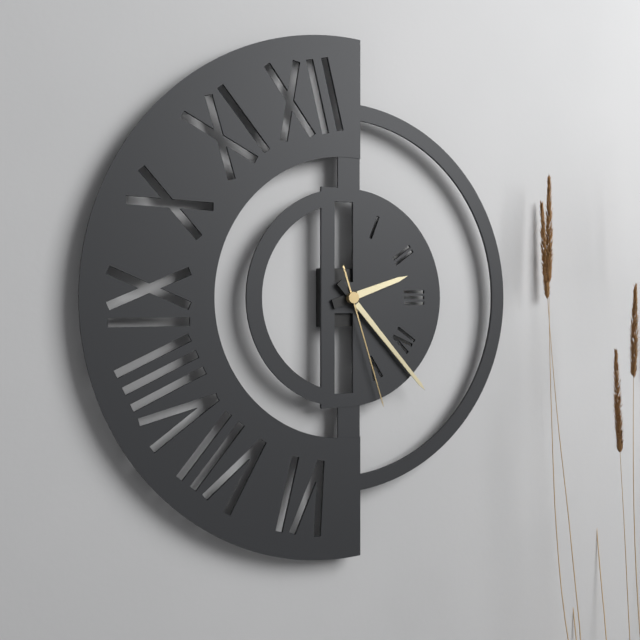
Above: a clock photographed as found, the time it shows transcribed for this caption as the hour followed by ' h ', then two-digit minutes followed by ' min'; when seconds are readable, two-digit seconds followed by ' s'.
2 h 23 min 27 s
